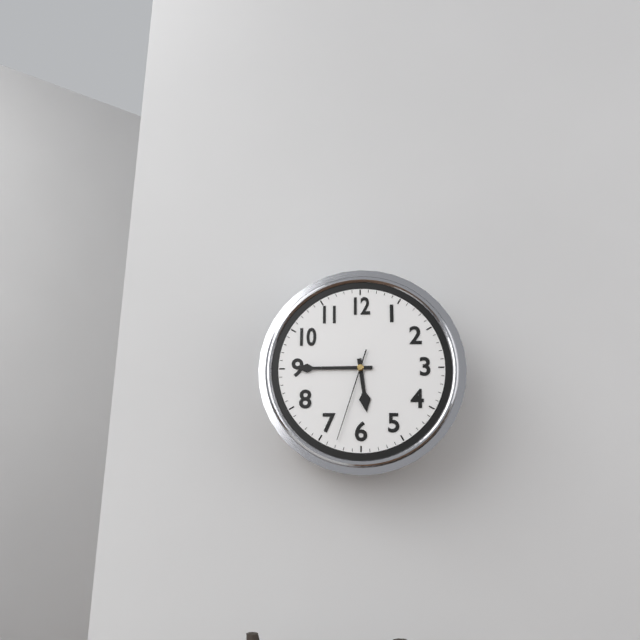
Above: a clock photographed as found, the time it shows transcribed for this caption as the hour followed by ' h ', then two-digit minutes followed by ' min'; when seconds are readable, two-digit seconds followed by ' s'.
5 h 45 min 33 s
